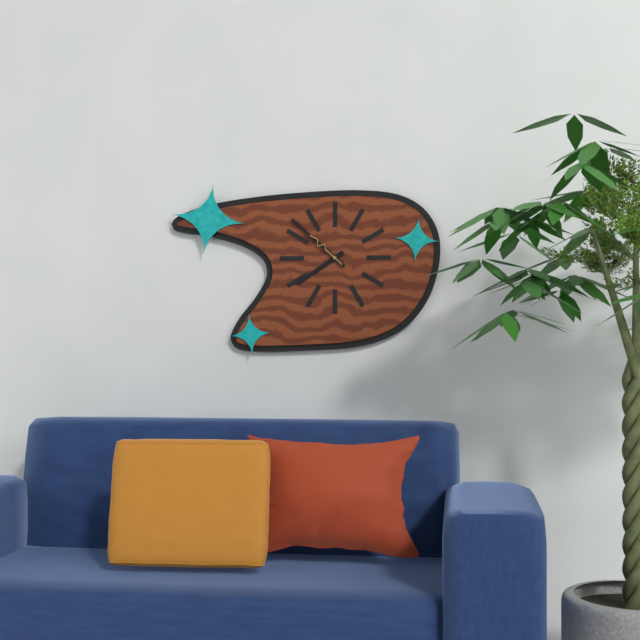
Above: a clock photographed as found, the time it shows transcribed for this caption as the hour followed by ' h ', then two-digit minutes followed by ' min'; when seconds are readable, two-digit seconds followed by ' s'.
7 h 52 min
